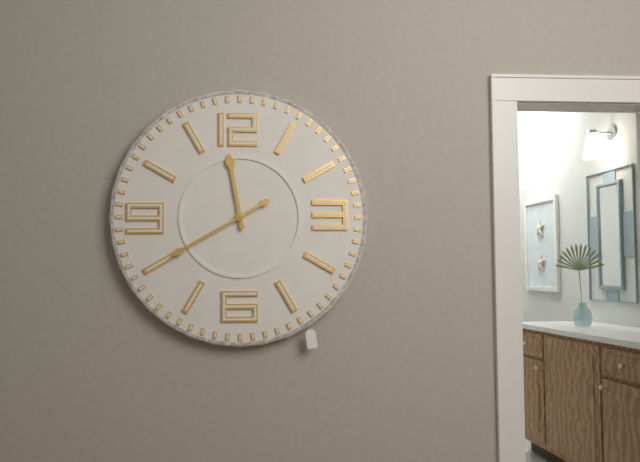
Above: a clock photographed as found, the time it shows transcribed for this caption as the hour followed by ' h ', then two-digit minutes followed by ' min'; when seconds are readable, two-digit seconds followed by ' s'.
11 h 40 min
